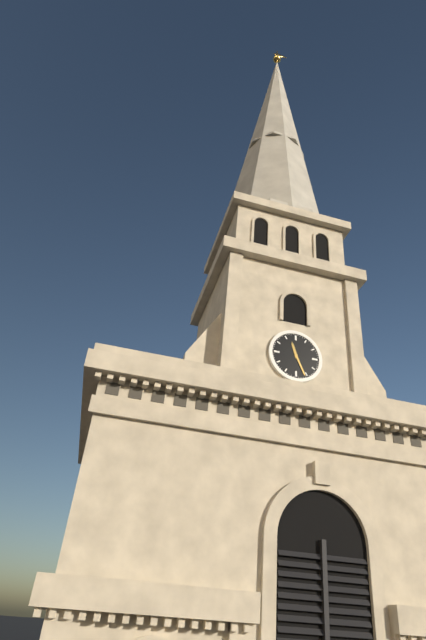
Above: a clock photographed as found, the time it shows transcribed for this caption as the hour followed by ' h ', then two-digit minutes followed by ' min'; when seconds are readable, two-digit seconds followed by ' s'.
11 h 26 min
